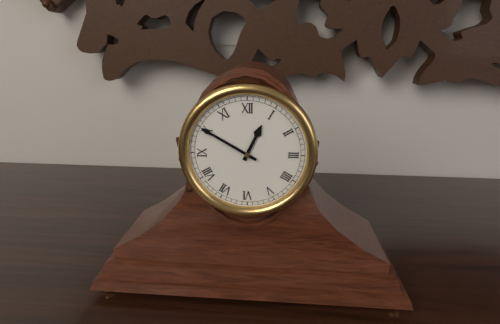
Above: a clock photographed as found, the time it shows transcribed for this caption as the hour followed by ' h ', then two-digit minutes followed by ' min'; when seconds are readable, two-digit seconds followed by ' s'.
12 h 50 min
